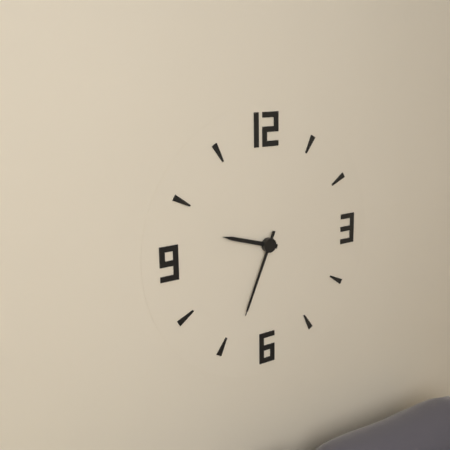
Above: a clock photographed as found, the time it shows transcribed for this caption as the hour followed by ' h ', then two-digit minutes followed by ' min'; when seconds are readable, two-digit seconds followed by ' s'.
9 h 34 min
